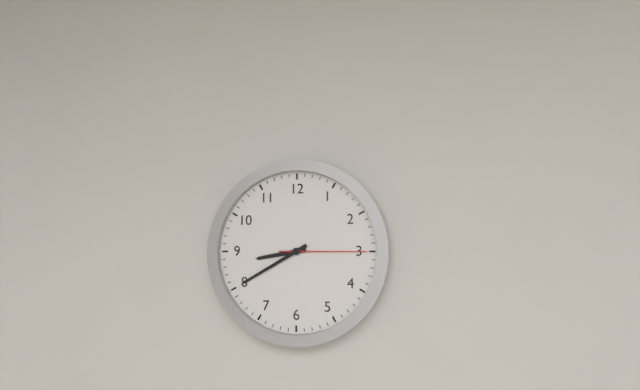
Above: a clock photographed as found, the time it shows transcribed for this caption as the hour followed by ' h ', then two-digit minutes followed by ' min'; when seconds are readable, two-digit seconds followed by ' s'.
8 h 40 min 15 s
